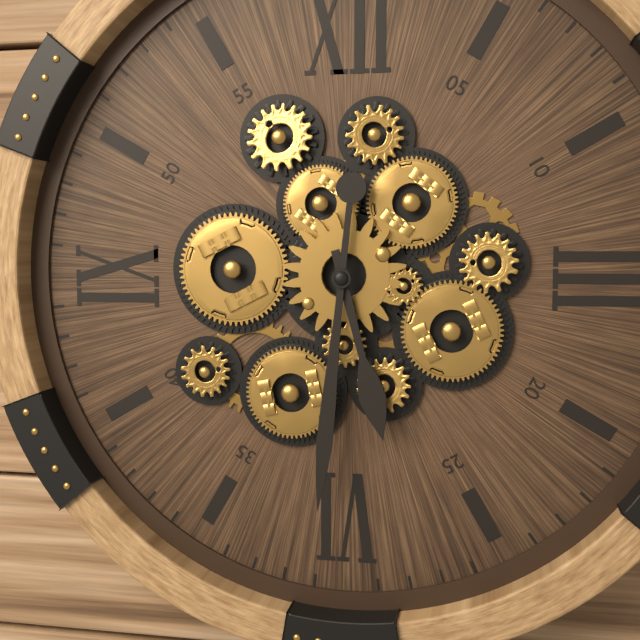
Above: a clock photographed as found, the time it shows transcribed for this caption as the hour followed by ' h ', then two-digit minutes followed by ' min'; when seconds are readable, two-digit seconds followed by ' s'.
5 h 31 min
